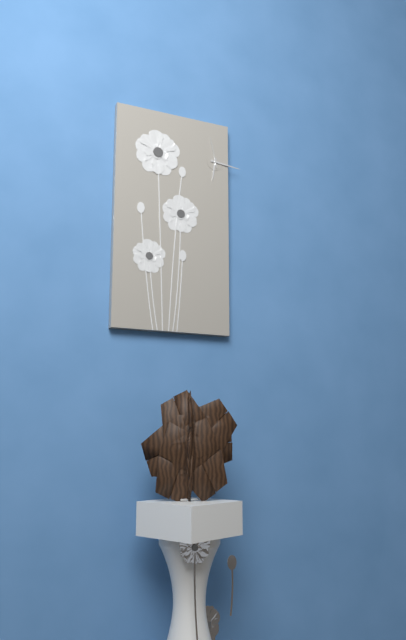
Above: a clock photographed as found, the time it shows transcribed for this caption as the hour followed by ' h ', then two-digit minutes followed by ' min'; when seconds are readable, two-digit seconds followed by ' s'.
6 h 16 min
